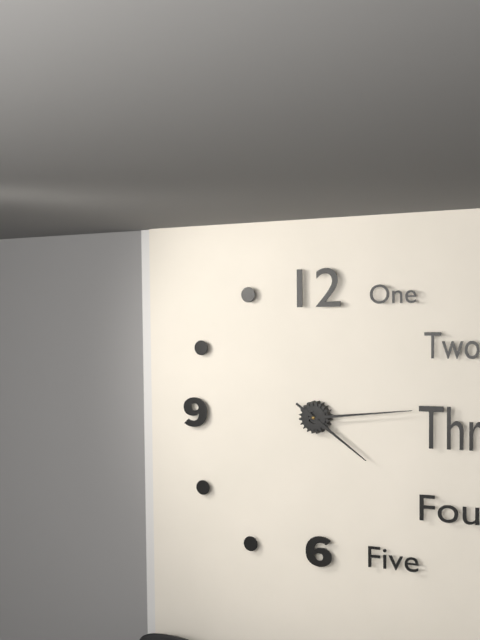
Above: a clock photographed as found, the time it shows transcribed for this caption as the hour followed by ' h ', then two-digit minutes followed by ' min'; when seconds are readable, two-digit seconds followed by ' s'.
4 h 14 min
